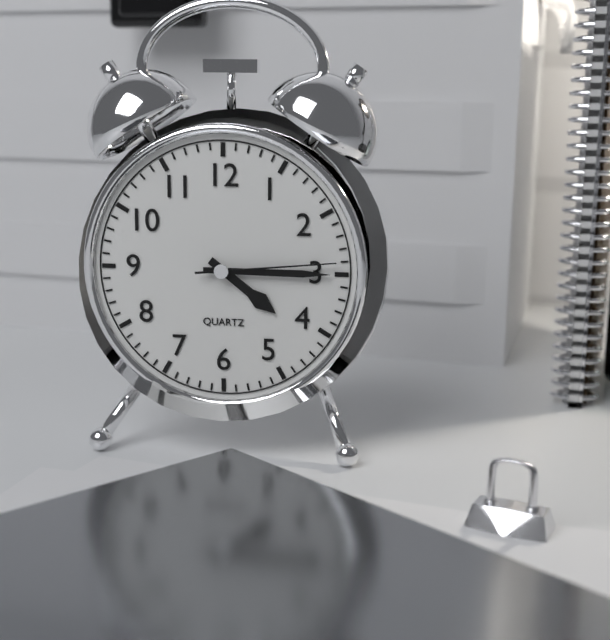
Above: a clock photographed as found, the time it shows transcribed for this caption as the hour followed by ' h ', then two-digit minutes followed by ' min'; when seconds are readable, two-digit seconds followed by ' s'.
4 h 15 min 14 s
